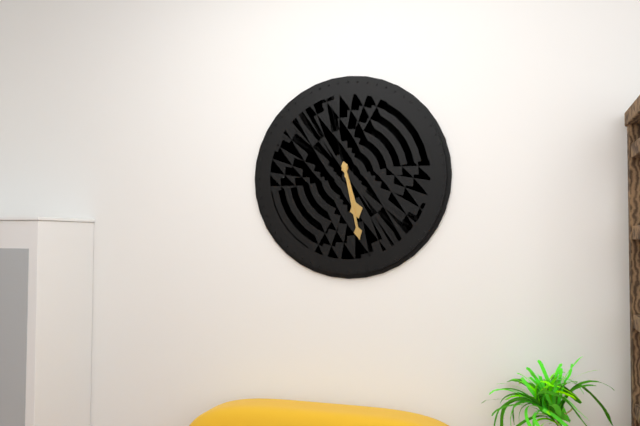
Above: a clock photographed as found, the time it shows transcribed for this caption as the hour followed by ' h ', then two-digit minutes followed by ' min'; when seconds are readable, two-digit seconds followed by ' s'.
5 h 28 min
